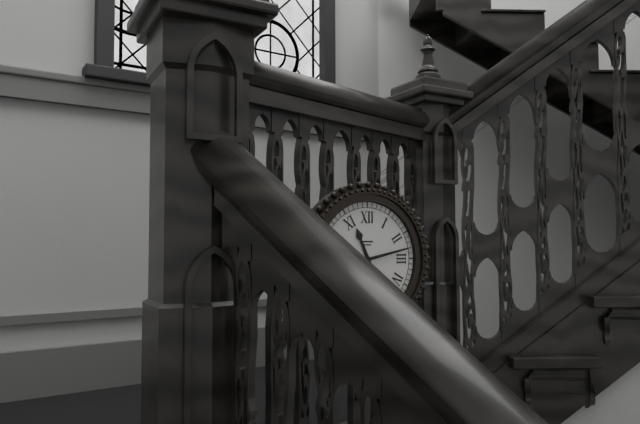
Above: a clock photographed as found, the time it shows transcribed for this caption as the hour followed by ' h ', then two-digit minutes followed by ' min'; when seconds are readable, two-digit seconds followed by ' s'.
11 h 13 min
